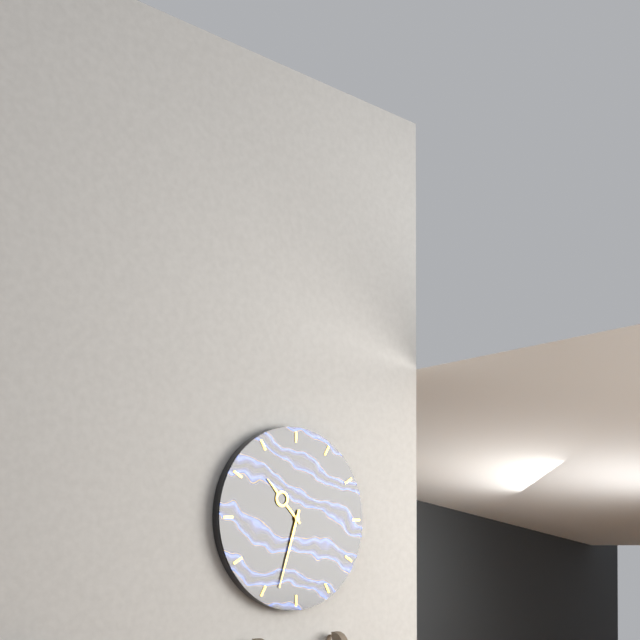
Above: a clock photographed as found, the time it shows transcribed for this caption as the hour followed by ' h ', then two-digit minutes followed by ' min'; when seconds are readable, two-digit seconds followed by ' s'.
10 h 33 min
